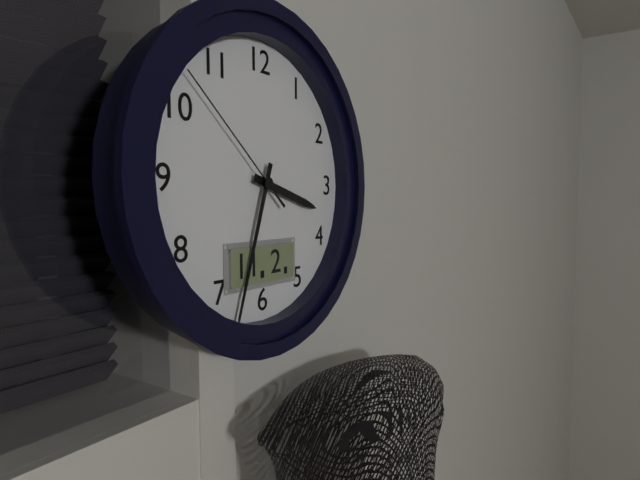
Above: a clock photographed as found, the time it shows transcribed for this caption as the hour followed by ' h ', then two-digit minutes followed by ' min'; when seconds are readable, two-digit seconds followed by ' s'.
3 h 33 min 52 s
